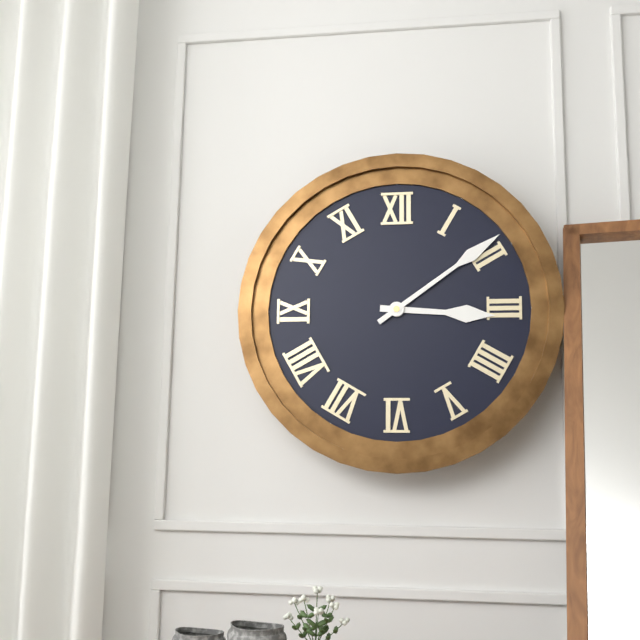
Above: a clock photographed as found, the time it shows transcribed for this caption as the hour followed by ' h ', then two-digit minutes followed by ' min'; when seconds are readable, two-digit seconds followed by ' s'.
3 h 09 min
